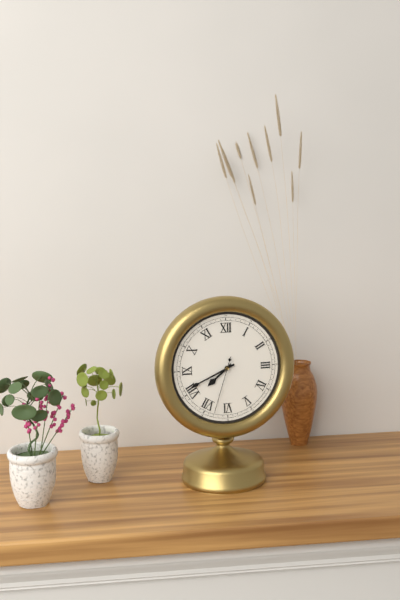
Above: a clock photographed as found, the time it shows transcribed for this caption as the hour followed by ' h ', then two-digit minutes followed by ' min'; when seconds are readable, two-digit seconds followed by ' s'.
7 h 41 min 33 s
